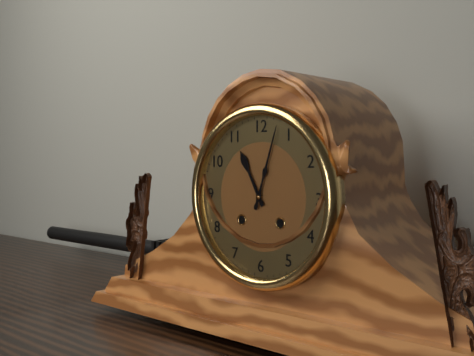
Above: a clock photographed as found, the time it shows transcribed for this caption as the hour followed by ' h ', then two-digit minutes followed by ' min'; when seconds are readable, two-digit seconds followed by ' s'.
11 h 03 min
